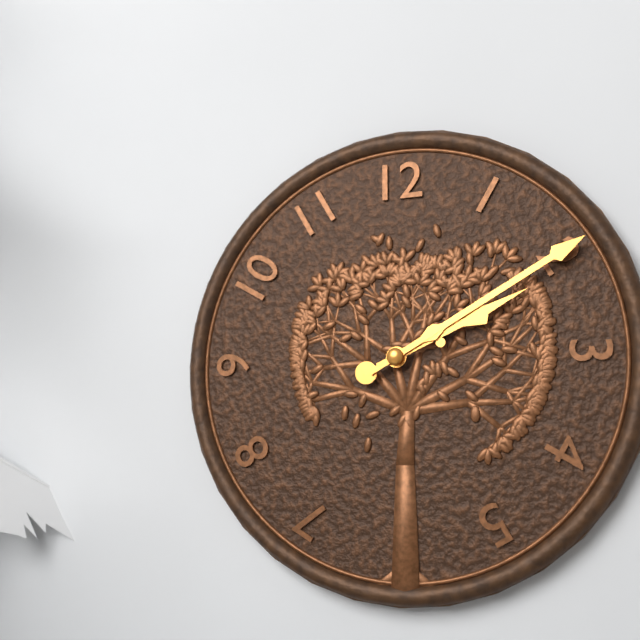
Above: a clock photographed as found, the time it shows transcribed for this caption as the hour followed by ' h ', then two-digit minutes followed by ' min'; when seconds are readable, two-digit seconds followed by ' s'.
2 h 10 min
